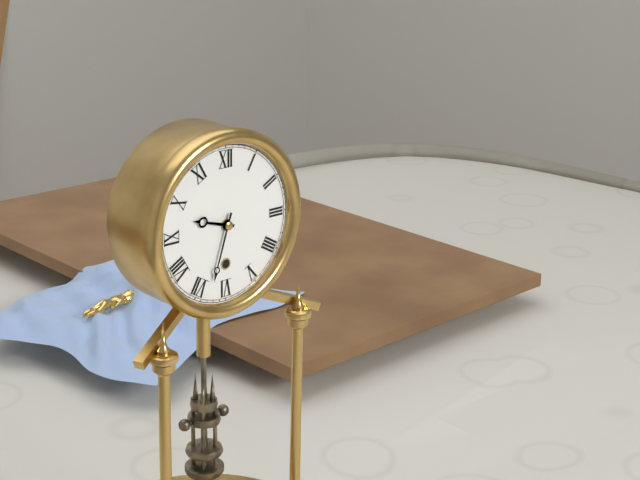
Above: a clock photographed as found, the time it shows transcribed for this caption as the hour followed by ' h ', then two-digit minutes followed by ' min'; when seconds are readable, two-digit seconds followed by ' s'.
9 h 33 min
